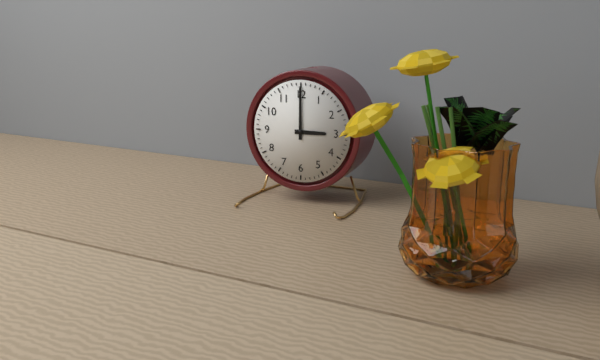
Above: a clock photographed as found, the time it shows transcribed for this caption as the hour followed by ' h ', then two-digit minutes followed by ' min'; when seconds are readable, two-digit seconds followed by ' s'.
3 h 00 min
